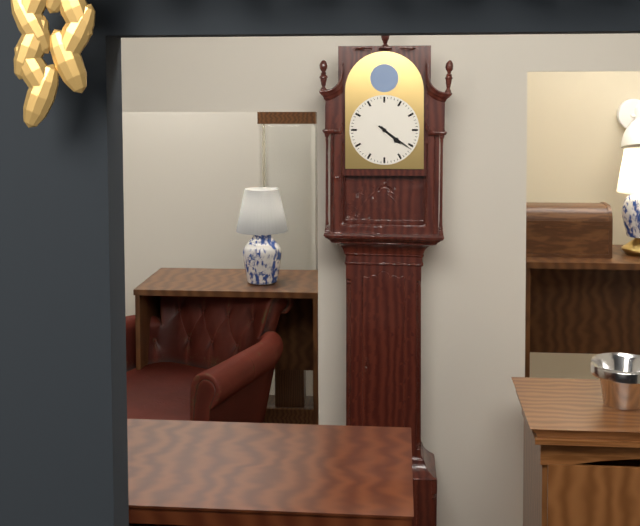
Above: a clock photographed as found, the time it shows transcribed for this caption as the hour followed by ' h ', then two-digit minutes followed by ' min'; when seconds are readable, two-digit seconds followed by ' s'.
4 h 21 min
